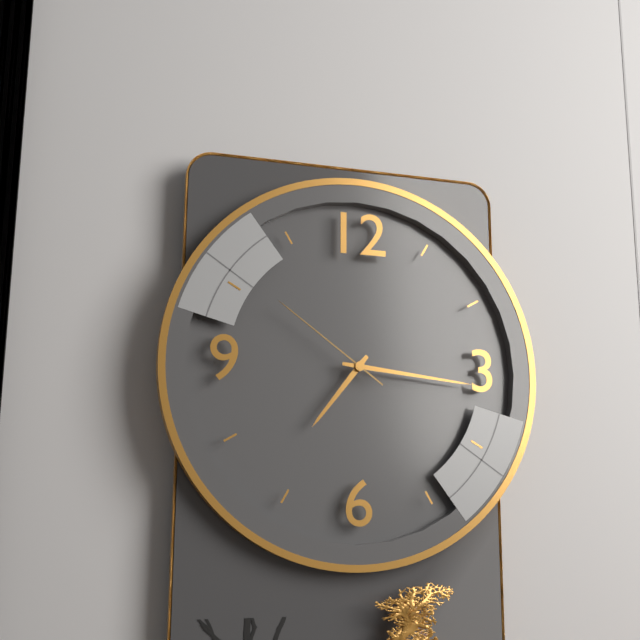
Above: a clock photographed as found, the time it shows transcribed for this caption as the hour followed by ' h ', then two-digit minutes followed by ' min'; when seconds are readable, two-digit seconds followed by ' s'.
7 h 16 min 51 s
